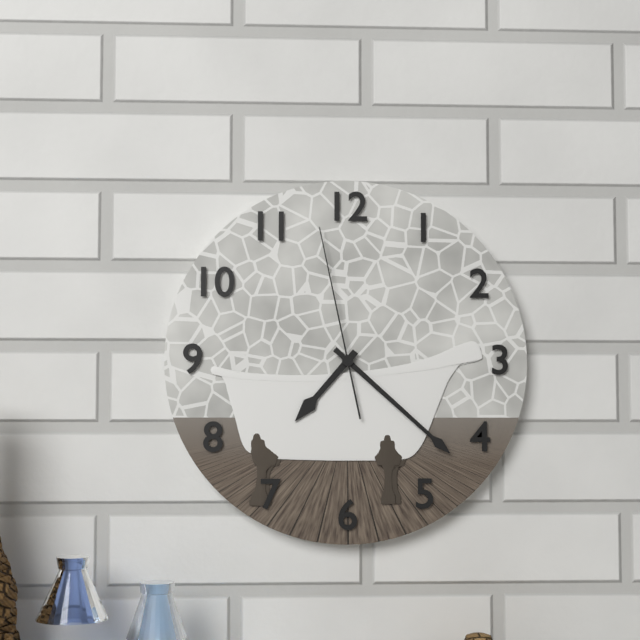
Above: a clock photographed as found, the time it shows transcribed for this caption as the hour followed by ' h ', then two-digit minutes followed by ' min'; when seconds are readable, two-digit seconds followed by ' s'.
7 h 22 min 58 s
